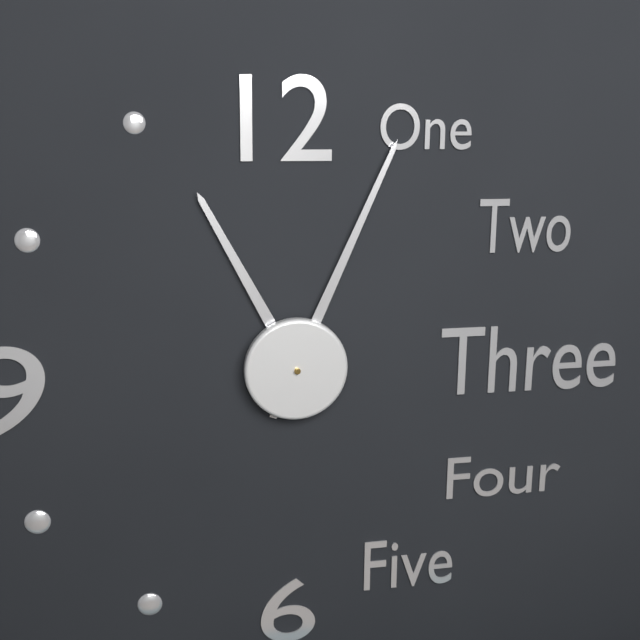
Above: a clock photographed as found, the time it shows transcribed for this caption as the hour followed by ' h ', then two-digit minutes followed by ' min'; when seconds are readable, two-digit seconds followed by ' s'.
11 h 04 min
